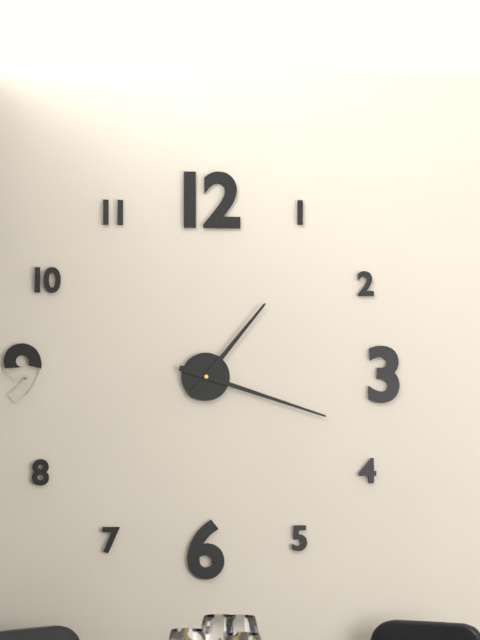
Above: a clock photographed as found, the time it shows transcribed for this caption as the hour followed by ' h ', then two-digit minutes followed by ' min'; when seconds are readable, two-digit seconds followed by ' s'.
1 h 18 min
